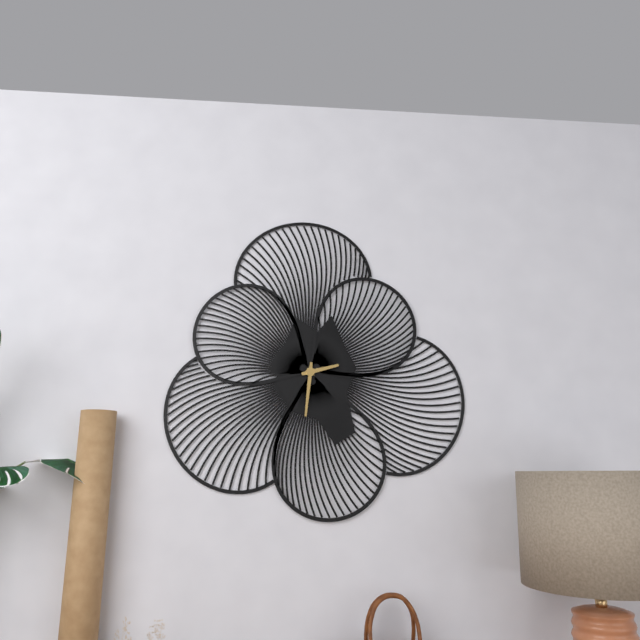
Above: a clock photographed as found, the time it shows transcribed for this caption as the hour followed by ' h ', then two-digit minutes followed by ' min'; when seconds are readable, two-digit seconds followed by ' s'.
2 h 31 min
